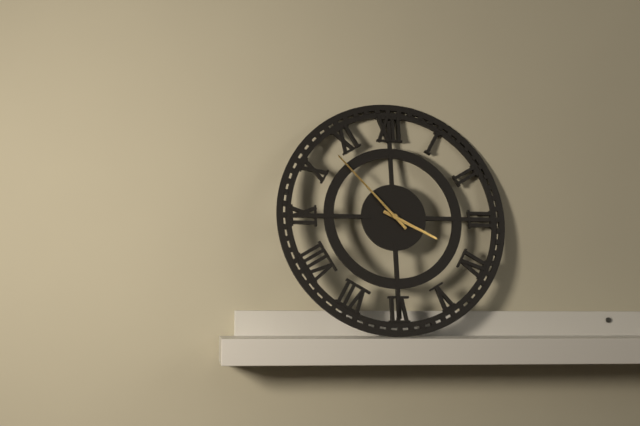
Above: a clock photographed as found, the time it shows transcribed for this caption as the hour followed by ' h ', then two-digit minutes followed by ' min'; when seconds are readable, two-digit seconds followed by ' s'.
3 h 53 min
